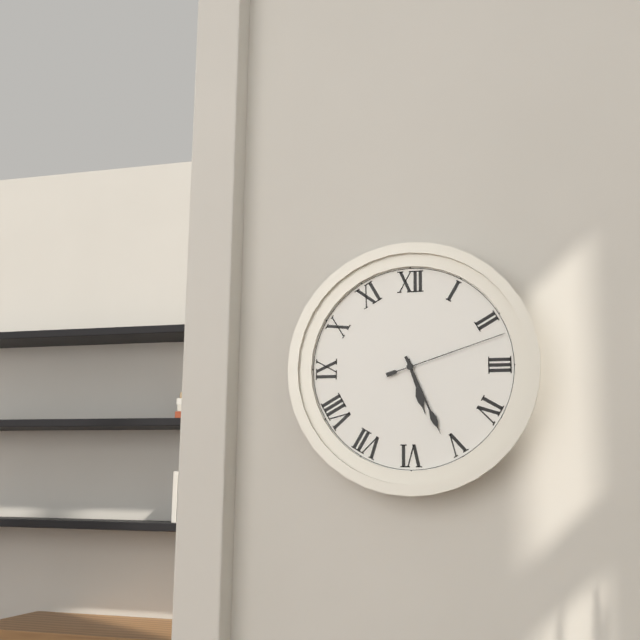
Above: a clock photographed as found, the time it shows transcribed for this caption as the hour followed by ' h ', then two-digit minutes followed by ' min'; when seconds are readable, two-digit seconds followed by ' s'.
5 h 26 min 12 s
